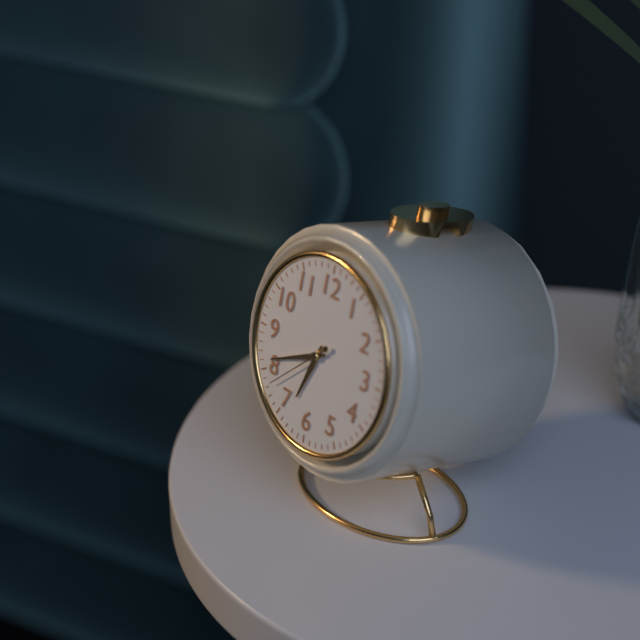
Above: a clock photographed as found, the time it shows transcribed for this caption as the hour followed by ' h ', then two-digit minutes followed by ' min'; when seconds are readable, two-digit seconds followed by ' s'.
6 h 41 min 38 s
